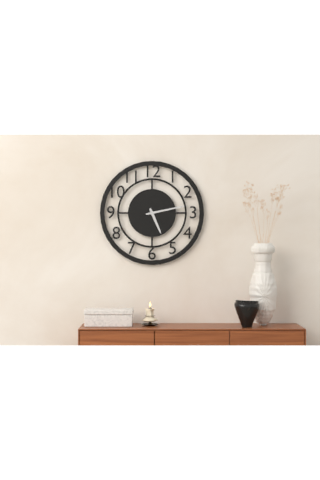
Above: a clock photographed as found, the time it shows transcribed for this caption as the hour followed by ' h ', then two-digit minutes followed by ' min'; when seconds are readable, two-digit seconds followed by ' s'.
5 h 13 min
